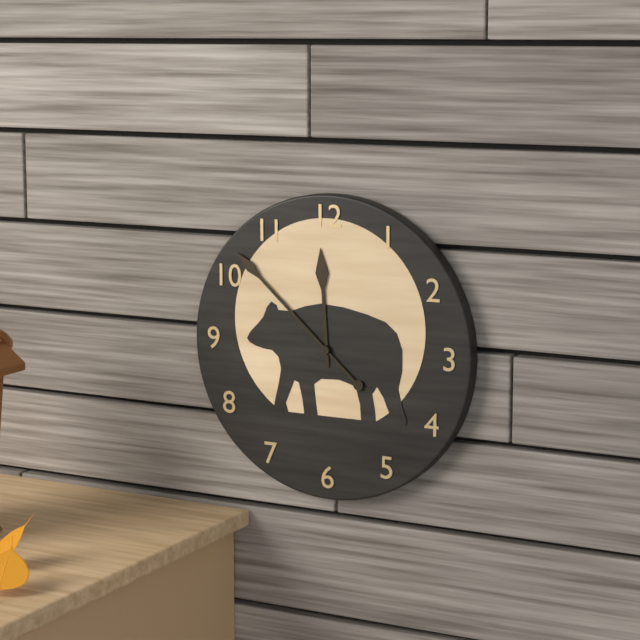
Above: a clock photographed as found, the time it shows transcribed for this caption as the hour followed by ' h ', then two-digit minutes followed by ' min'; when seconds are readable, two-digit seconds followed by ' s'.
11 h 52 min
